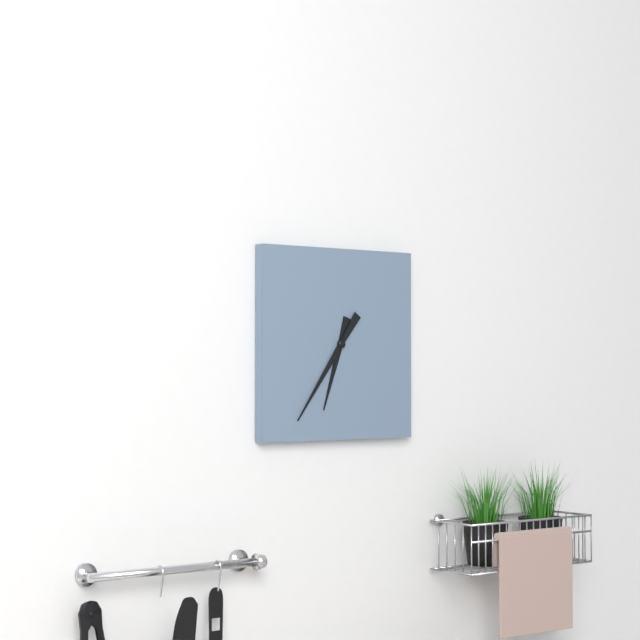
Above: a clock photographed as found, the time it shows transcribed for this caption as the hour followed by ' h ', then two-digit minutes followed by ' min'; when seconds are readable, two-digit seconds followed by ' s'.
6 h 36 min
